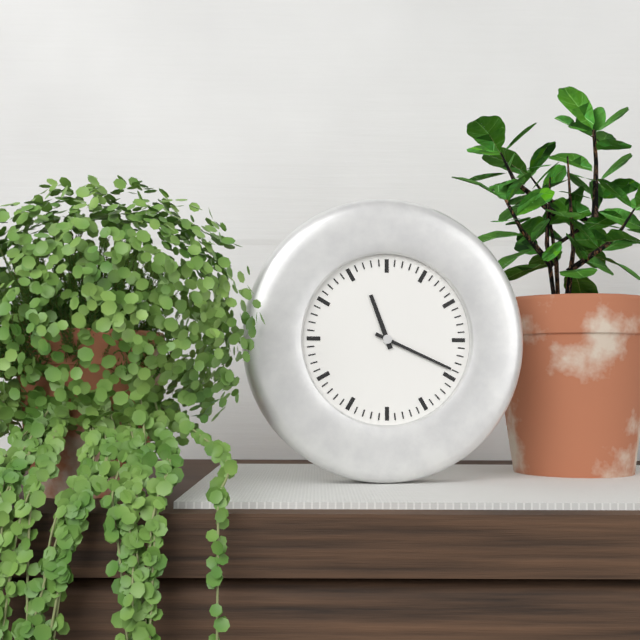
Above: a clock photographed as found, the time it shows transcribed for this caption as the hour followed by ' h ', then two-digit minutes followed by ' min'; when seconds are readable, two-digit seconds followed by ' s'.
11 h 19 min
